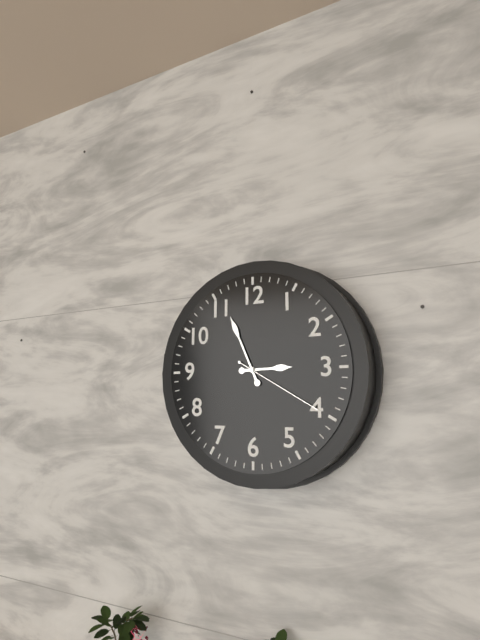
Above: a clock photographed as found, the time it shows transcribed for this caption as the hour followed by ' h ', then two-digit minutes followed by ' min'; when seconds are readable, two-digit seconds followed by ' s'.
2 h 56 min 20 s
